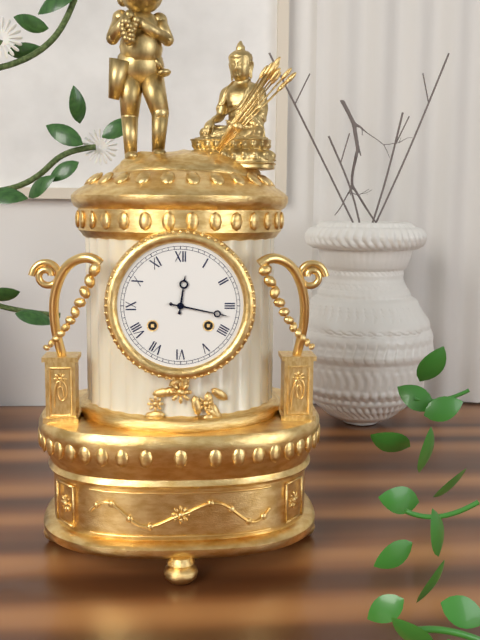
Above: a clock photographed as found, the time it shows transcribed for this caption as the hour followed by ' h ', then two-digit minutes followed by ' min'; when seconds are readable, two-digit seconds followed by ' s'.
12 h 17 min
